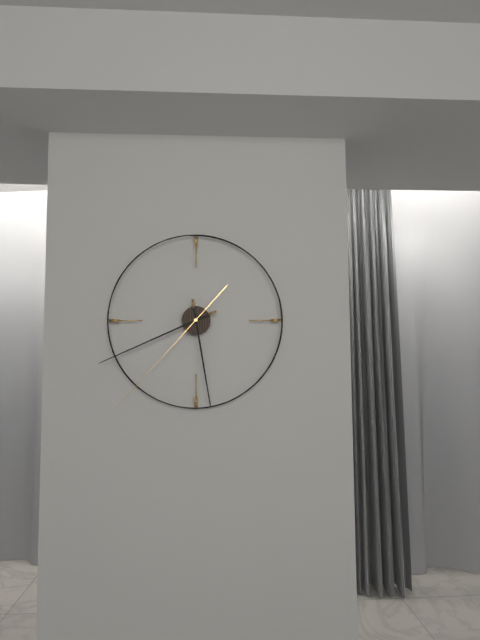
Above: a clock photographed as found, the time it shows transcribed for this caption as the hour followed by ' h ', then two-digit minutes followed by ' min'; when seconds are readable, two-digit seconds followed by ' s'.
5 h 41 min 37 s
